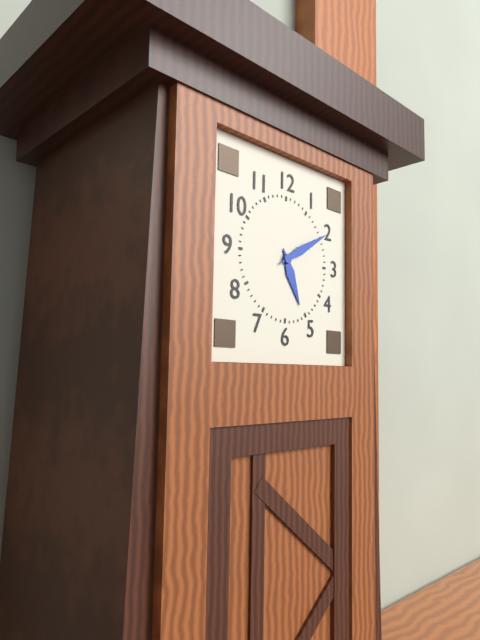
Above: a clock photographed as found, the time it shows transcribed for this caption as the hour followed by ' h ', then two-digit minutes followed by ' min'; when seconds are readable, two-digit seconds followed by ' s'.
5 h 10 min
